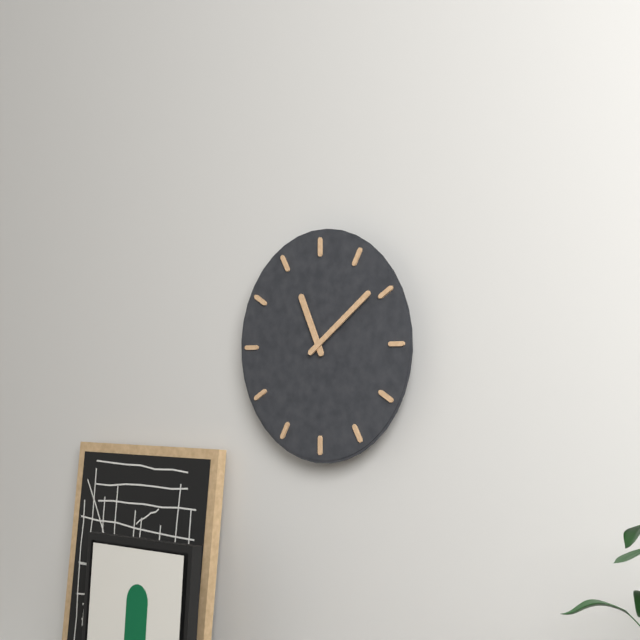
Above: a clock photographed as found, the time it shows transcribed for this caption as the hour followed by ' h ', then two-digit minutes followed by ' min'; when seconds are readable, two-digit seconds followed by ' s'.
11 h 09 min
